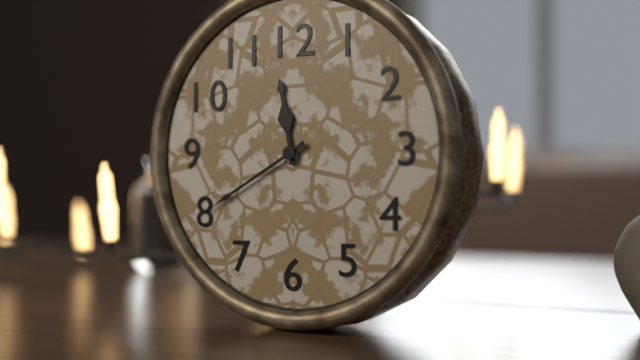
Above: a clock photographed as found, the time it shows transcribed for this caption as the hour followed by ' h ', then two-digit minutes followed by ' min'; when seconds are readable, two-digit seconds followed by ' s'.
11 h 40 min
